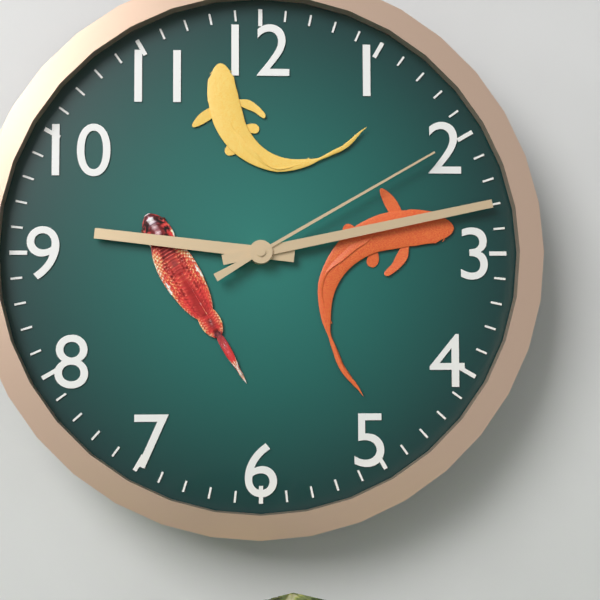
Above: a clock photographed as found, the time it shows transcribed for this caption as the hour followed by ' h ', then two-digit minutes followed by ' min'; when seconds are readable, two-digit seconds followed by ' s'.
9 h 13 min 10 s
